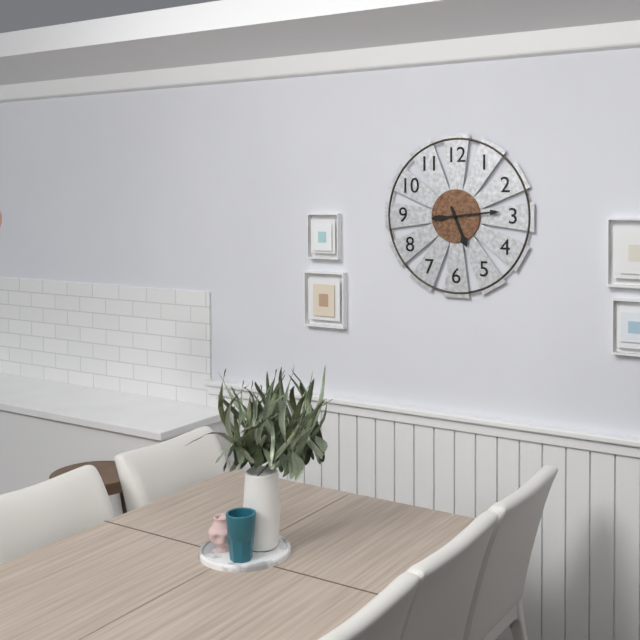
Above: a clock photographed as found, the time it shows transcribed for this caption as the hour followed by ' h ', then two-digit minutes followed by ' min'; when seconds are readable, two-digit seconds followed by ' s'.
5 h 14 min
